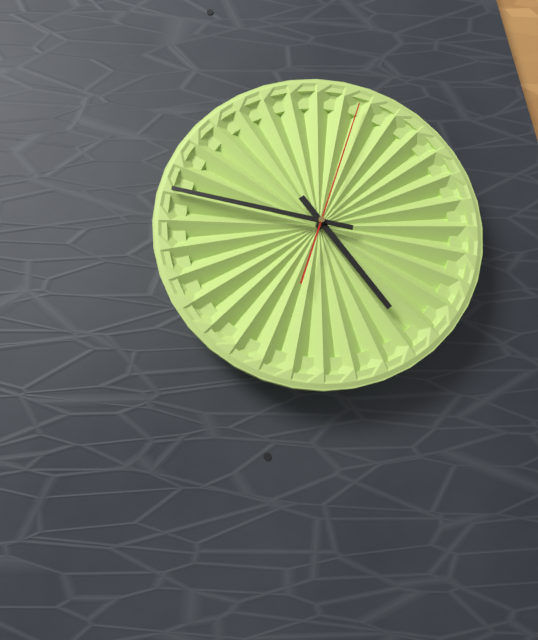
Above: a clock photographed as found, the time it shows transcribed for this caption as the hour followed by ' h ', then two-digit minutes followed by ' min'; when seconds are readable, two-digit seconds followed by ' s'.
4 h 47 min 03 s
